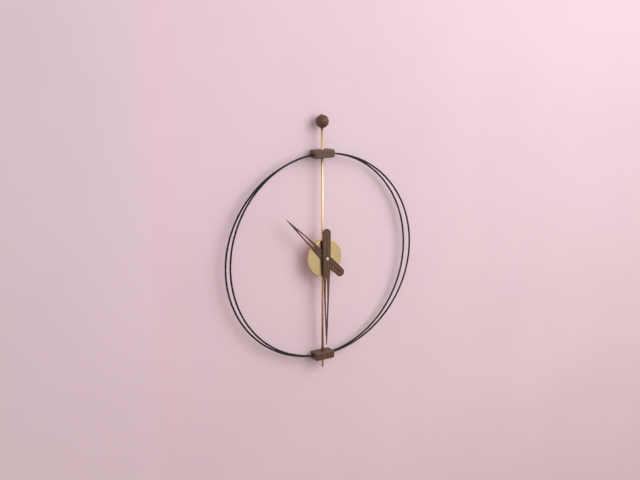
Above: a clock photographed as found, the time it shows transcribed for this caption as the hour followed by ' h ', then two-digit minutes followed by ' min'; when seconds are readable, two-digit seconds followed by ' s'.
10 h 30 min
